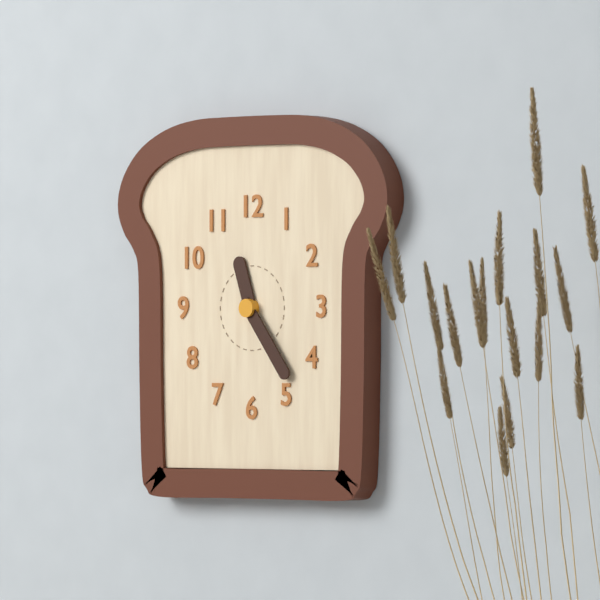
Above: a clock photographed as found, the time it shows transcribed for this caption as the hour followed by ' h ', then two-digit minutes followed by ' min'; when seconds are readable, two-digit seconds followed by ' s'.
11 h 24 min
